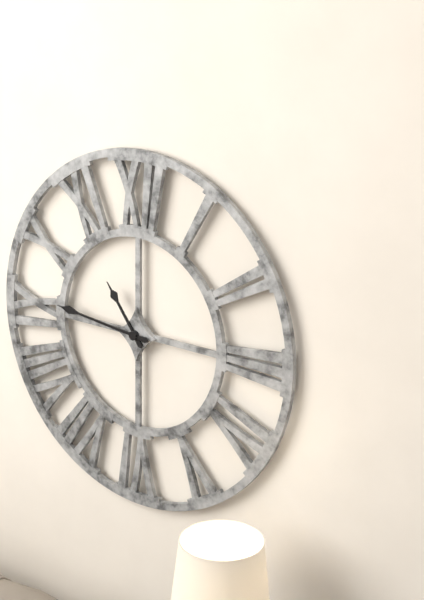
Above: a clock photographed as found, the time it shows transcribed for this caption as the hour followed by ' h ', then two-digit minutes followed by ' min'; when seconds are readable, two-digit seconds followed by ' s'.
10 h 46 min
